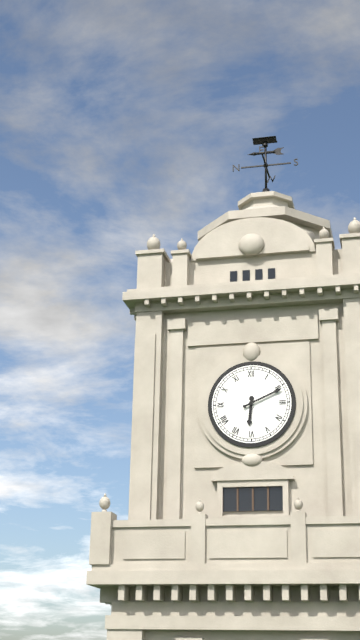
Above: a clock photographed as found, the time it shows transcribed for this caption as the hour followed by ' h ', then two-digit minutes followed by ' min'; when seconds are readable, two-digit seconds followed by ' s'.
6 h 11 min
